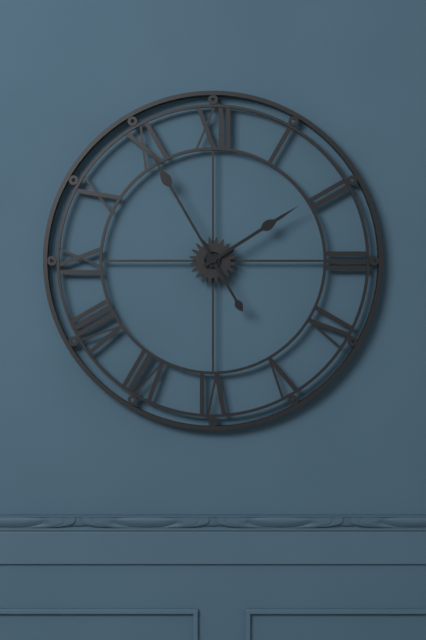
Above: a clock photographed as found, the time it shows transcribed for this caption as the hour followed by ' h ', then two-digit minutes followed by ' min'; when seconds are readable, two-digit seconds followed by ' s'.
1 h 55 min
